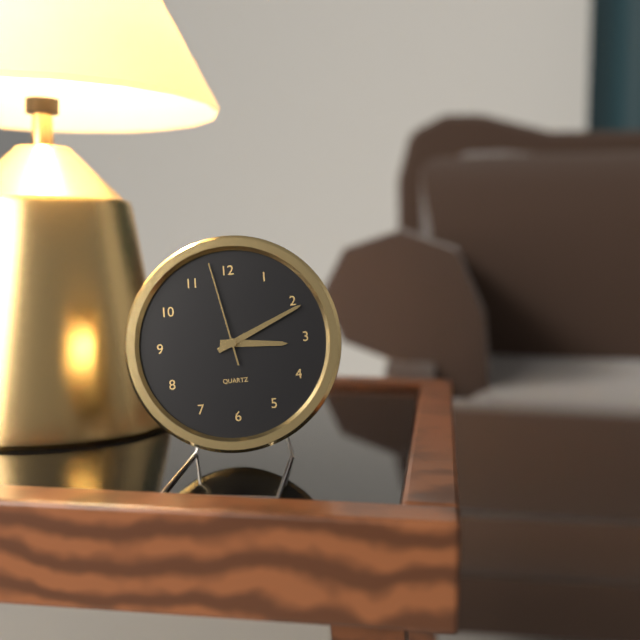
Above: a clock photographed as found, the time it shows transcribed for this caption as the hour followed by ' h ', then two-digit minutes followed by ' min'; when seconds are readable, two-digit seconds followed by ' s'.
3 h 11 min 58 s
